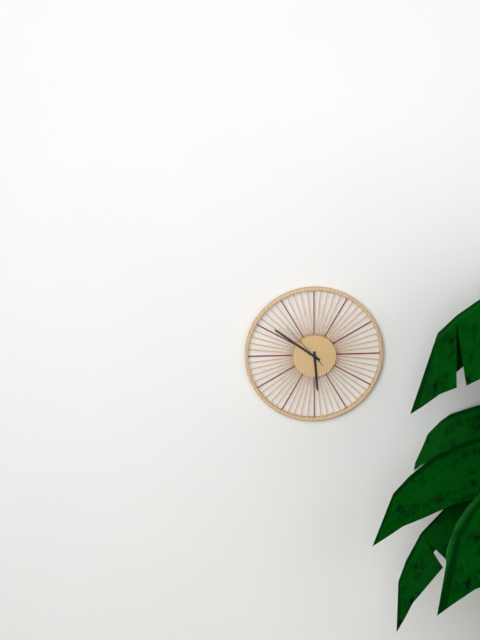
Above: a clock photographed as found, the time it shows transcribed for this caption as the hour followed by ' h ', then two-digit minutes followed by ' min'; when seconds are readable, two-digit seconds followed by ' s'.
5 h 51 min
